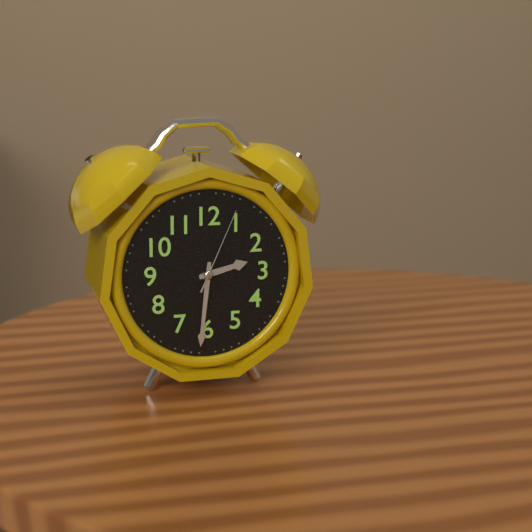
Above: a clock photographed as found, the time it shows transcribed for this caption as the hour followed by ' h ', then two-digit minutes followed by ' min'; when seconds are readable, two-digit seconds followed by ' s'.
2 h 31 min 04 s
